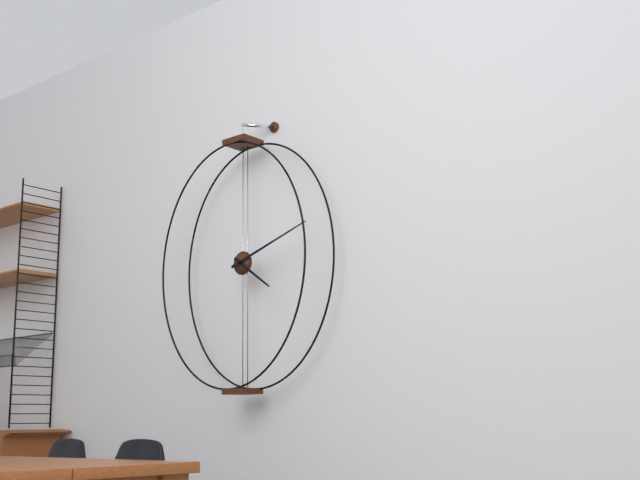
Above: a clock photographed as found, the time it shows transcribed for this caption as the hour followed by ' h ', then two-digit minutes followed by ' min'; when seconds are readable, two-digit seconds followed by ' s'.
4 h 12 min
